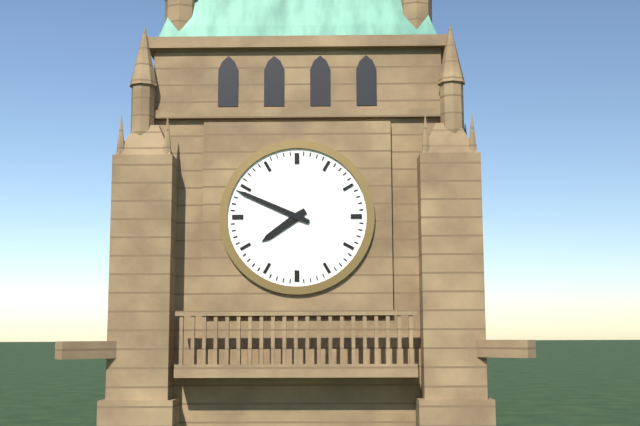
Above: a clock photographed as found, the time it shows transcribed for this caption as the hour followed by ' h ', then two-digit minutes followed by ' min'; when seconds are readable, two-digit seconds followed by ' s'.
7 h 49 min
